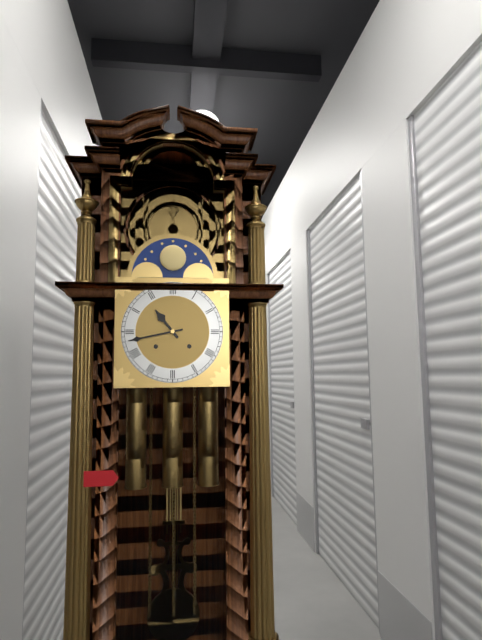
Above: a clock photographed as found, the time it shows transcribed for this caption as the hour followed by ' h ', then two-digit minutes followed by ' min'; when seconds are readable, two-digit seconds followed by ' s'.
10 h 43 min
